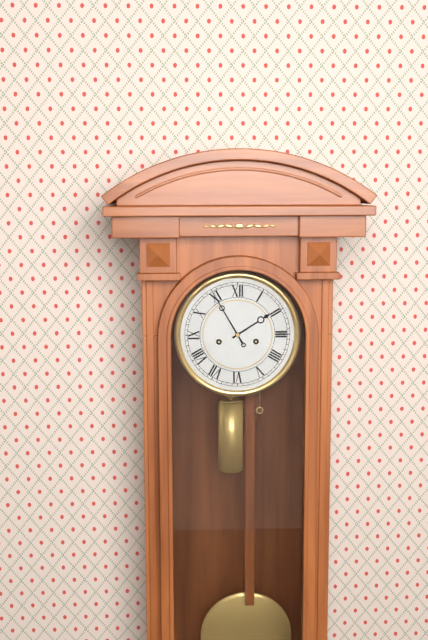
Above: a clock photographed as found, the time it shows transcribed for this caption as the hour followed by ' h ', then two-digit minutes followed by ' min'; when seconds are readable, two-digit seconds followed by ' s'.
1 h 55 min
